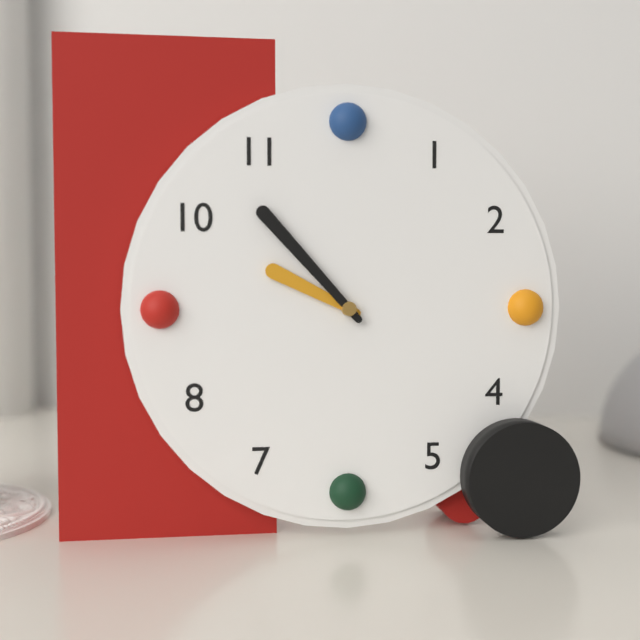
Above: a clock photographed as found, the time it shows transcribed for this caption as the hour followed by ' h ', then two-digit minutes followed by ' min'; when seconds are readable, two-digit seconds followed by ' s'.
9 h 53 min
